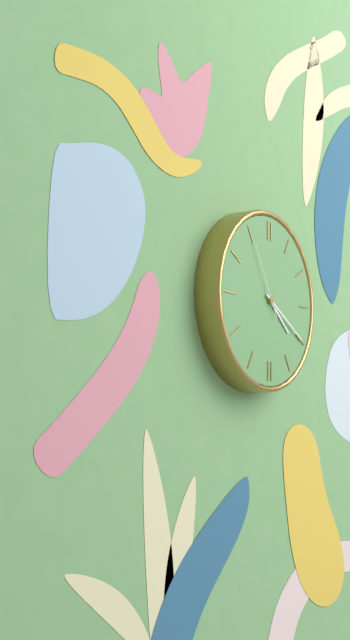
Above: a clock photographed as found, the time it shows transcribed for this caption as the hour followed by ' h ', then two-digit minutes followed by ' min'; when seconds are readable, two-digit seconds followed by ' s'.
4 h 20 min 55 s
